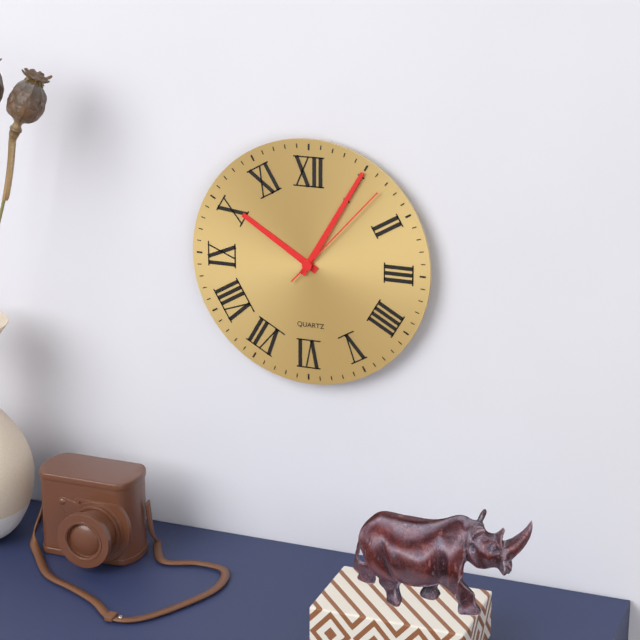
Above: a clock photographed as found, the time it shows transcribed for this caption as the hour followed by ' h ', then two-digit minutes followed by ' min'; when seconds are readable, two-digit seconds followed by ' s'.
10 h 05 min 07 s
